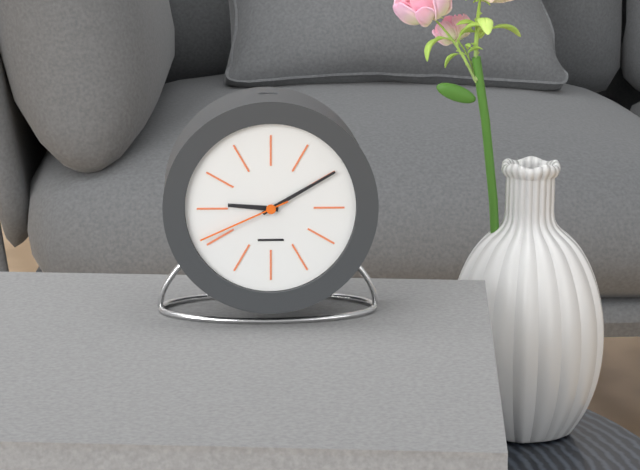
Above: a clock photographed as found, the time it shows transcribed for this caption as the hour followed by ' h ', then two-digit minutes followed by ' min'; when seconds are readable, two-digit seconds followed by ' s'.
9 h 10 min 41 s
